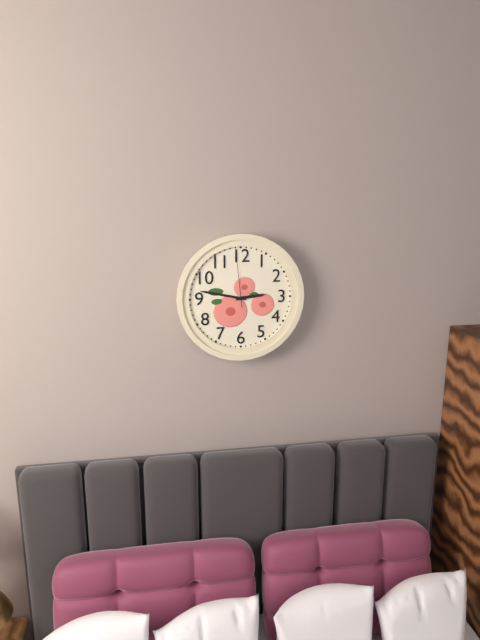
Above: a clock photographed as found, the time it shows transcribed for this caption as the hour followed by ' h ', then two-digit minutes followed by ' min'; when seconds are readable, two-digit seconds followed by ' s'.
2 h 47 min 59 s
